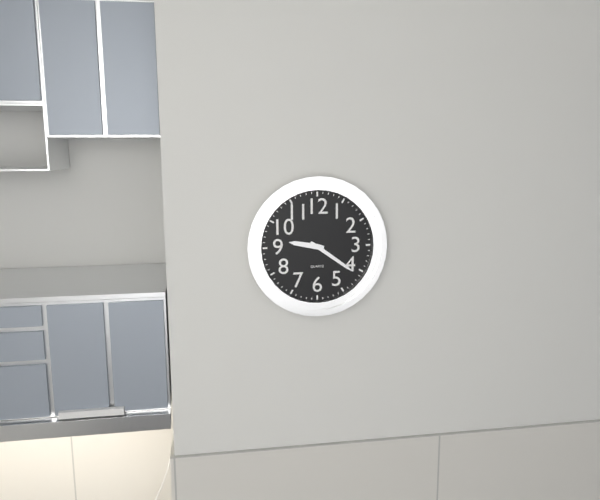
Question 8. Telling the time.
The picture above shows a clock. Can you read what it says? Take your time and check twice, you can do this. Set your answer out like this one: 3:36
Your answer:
9:21
